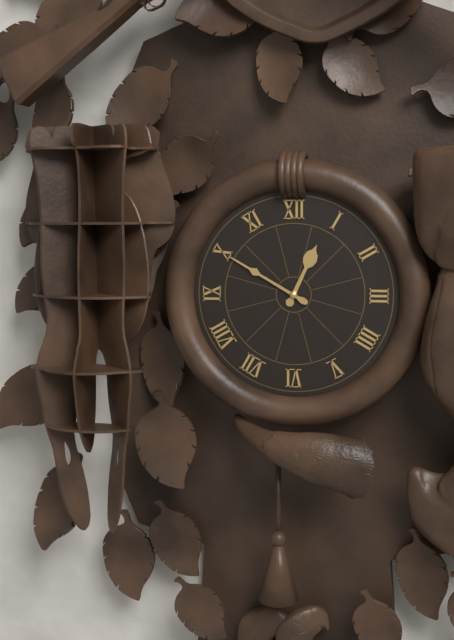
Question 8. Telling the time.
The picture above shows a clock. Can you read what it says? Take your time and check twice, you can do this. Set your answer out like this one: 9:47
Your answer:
12:50
